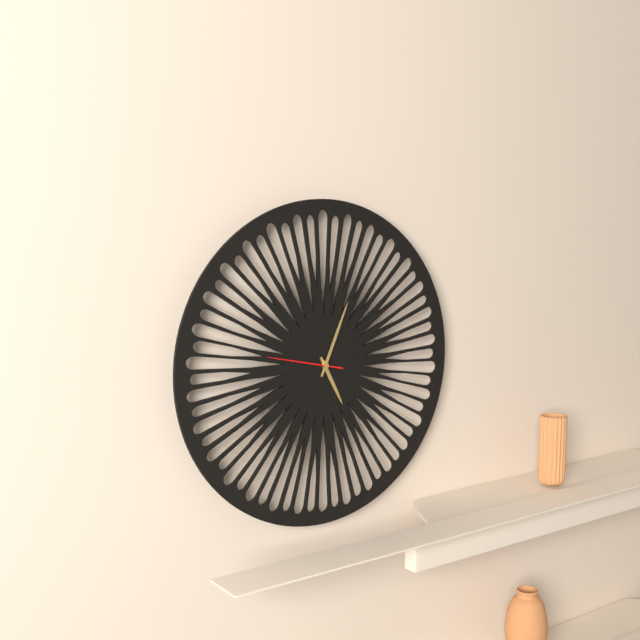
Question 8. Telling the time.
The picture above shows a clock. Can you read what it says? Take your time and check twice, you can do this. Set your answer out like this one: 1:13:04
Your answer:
5:04:47
